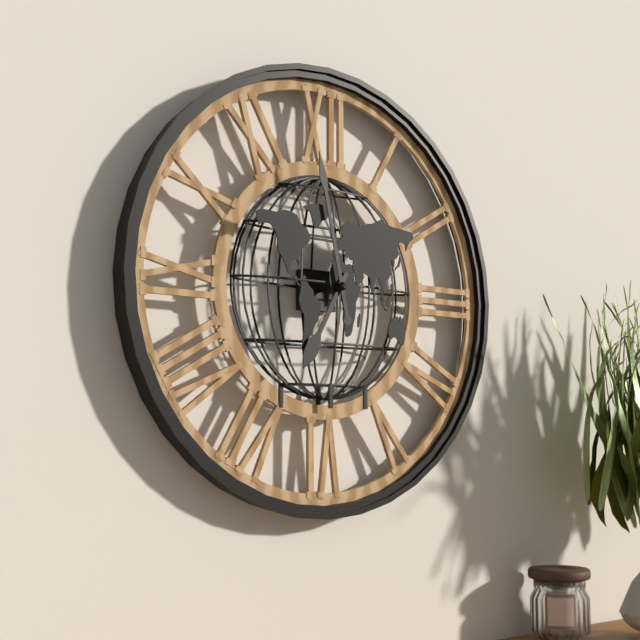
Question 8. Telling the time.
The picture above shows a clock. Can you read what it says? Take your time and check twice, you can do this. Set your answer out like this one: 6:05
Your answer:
6:58
